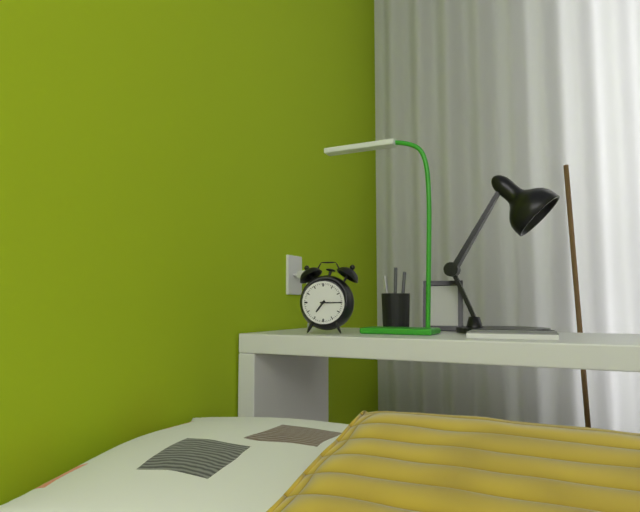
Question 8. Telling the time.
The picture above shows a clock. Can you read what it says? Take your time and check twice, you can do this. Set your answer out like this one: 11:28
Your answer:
7:15
